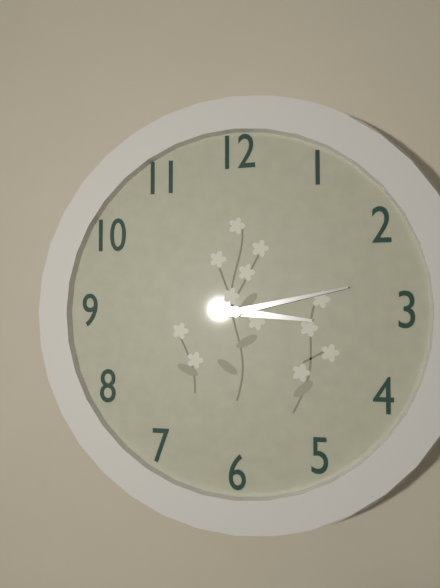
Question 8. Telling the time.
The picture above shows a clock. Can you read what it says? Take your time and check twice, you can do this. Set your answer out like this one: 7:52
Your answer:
3:13
